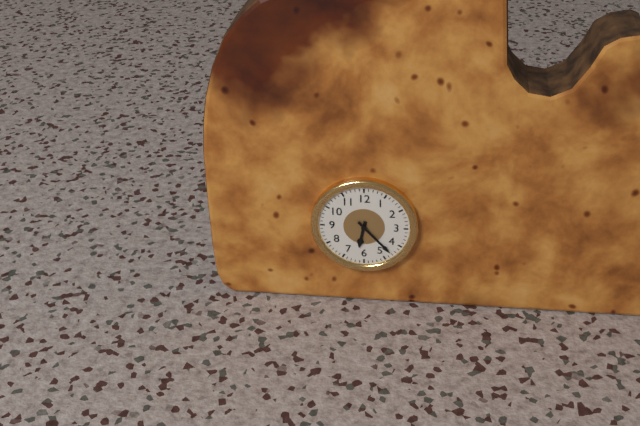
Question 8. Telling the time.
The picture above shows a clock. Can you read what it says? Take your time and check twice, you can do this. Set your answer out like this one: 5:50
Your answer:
6:23
